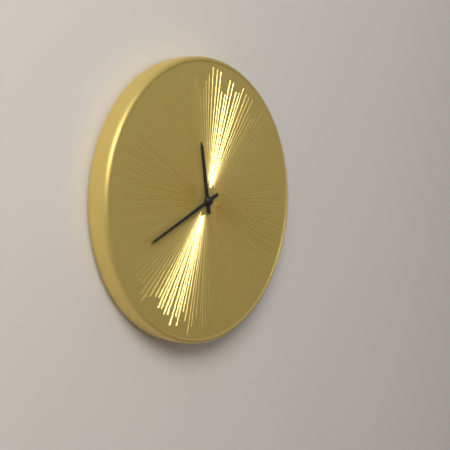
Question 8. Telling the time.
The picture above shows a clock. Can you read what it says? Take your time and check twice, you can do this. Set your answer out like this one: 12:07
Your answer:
11:41
